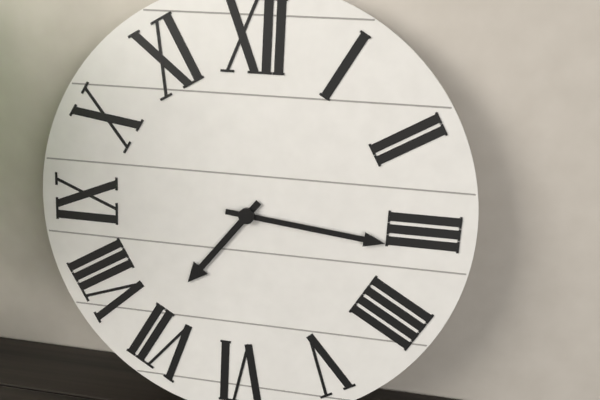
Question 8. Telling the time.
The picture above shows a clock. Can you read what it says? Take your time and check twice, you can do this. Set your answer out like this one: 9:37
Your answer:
7:16
